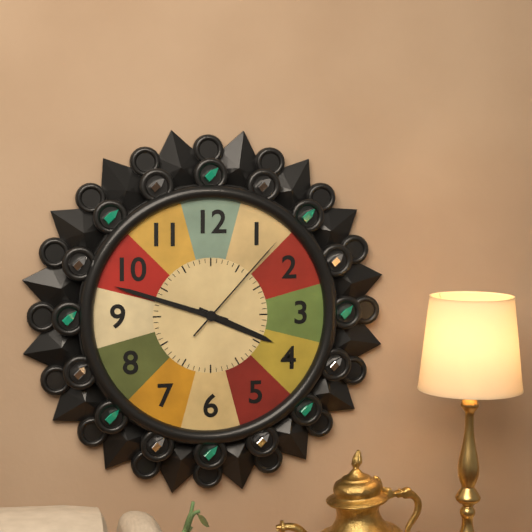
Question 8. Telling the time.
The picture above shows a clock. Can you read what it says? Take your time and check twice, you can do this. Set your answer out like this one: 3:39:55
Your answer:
3:48:07
